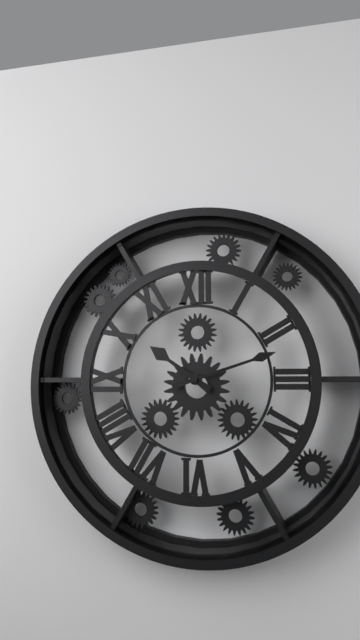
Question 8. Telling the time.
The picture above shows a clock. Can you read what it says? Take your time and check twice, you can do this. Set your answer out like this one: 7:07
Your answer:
10:12
